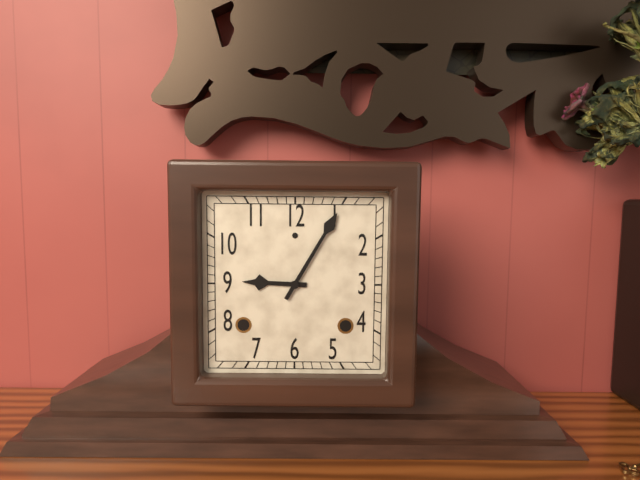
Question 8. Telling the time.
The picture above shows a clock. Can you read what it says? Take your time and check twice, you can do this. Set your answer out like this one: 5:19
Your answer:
9:05
